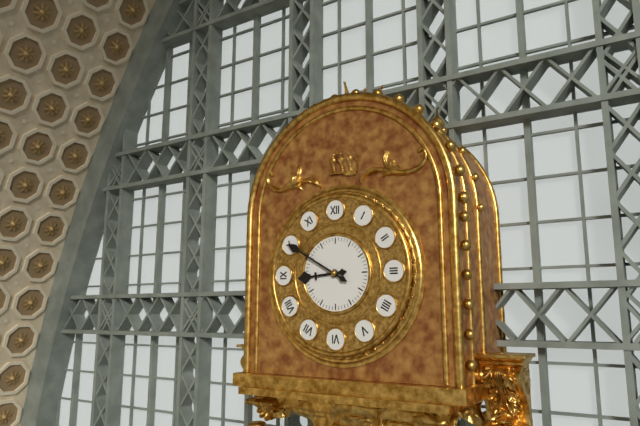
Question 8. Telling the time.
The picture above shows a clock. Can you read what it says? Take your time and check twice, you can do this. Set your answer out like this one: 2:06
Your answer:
8:50
